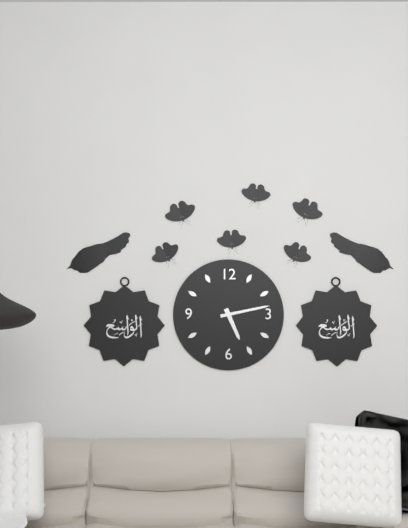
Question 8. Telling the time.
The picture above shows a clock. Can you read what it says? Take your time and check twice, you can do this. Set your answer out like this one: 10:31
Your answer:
5:13
